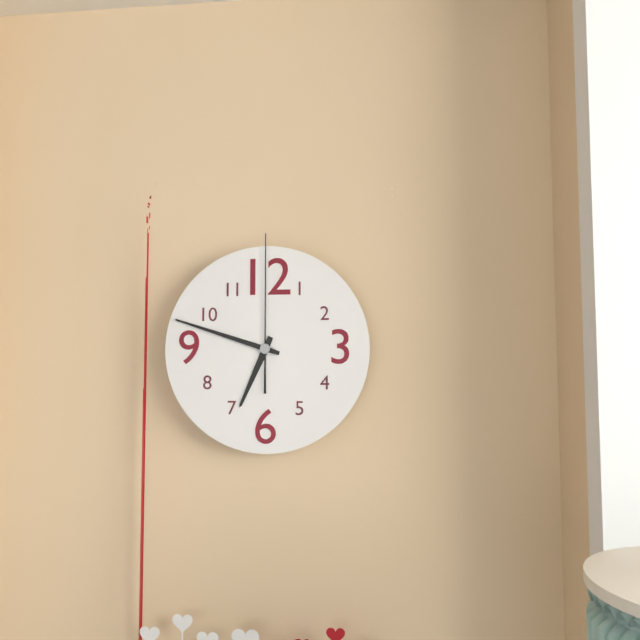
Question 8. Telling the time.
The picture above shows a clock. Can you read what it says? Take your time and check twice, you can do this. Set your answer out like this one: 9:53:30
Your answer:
6:48:00
